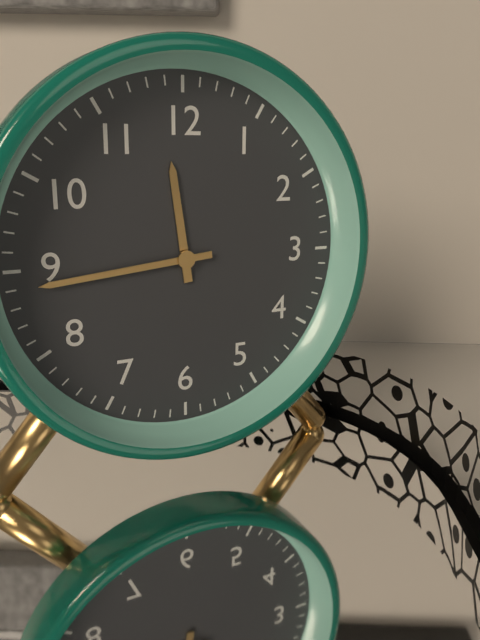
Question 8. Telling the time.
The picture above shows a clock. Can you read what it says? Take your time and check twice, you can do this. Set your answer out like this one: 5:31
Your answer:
11:44
